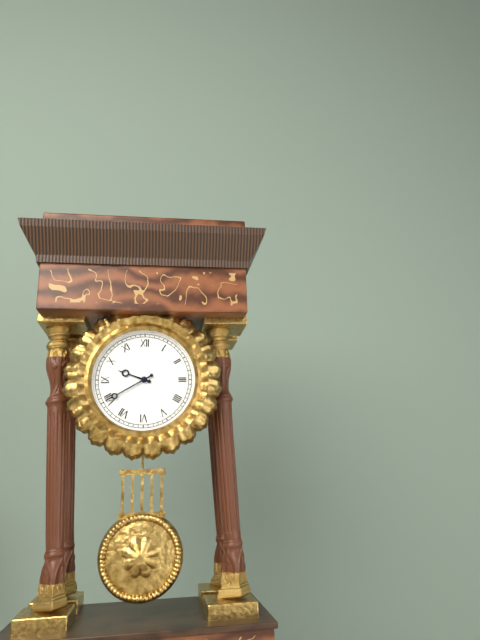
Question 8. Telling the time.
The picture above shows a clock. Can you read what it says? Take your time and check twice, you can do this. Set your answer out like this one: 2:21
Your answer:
9:40
